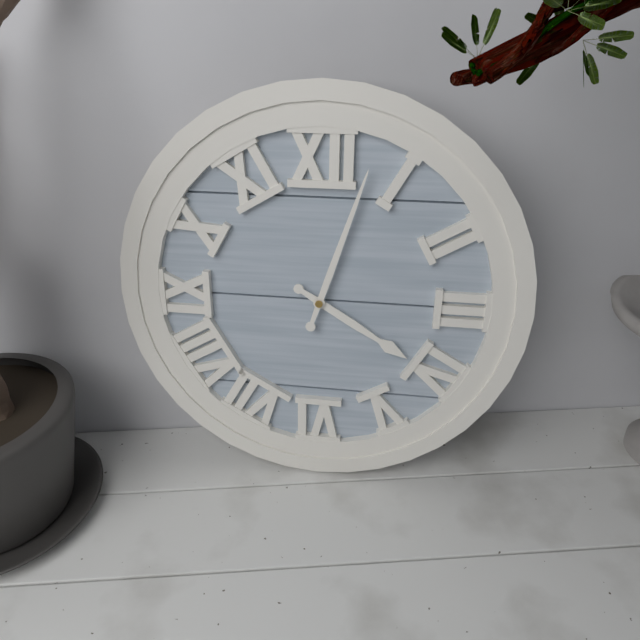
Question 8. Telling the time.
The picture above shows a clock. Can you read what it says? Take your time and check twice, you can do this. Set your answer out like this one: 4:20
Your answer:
4:03
